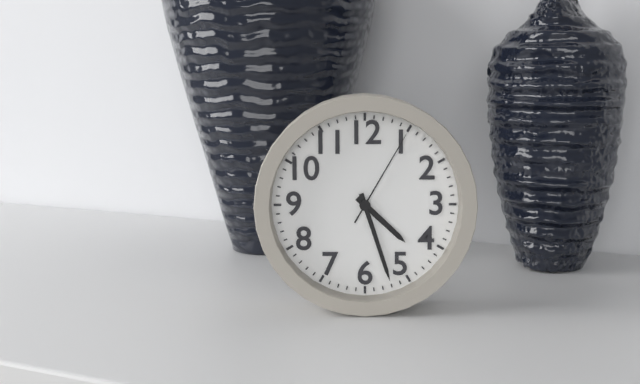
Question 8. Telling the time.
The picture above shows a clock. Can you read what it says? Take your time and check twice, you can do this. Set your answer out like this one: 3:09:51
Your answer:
4:27:05
